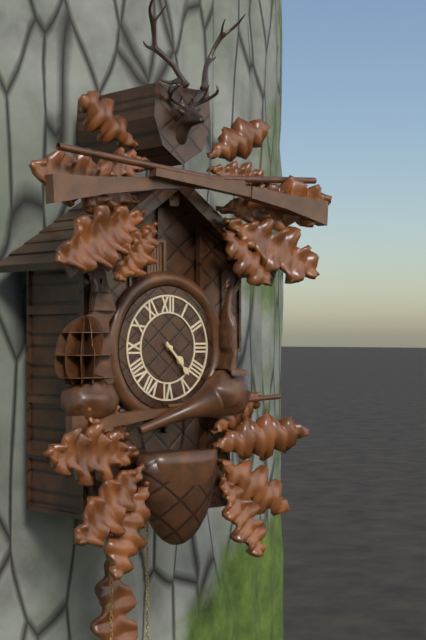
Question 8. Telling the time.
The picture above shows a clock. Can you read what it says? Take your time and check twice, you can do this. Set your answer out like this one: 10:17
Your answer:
4:23
